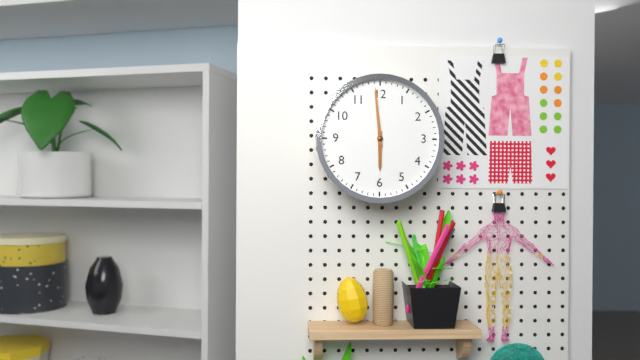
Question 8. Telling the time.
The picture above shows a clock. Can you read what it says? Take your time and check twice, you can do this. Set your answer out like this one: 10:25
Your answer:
5:59
